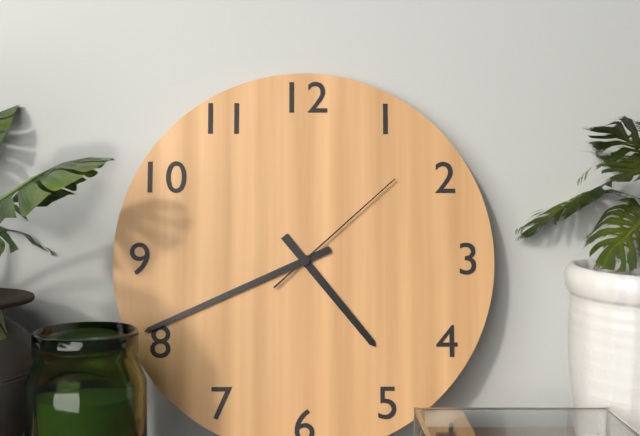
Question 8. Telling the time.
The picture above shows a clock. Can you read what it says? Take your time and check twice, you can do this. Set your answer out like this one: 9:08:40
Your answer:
4:41:08
